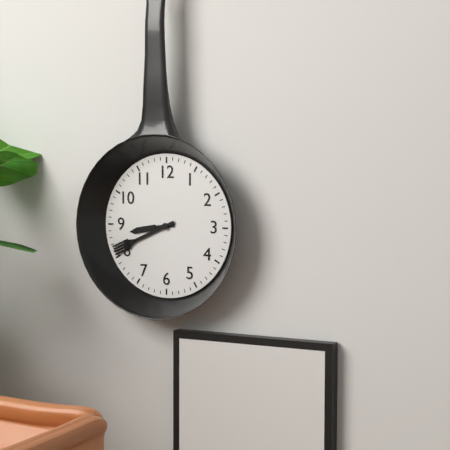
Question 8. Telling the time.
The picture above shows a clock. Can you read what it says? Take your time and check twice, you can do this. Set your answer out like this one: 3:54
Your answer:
8:41
